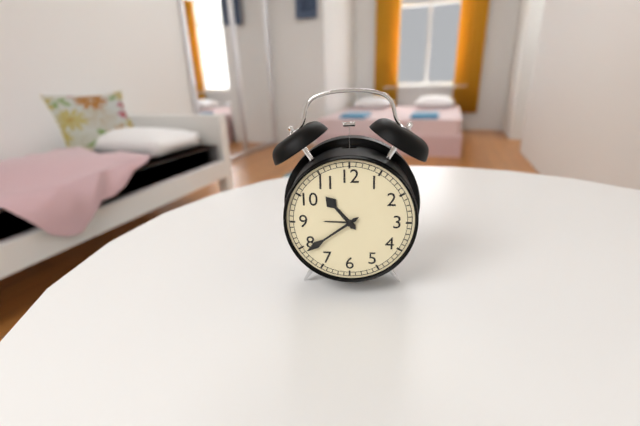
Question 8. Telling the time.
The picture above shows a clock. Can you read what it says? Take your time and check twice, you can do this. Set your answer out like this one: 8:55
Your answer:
10:39
